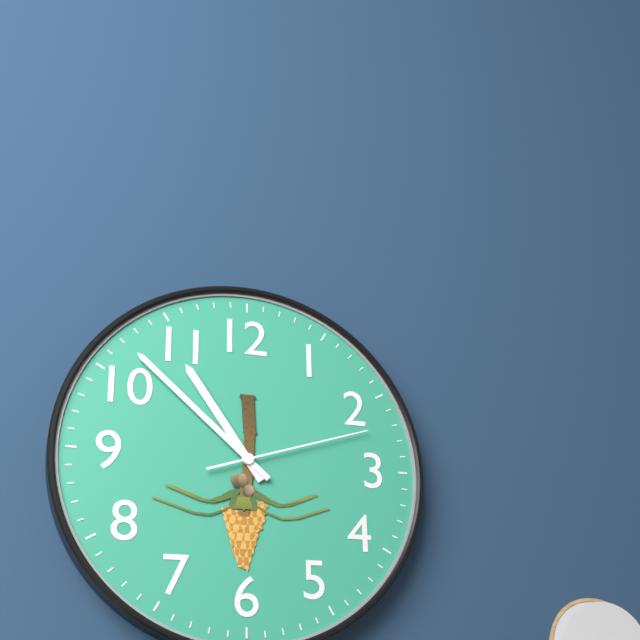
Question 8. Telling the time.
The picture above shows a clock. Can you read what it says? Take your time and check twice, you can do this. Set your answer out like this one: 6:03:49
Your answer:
10:52:12
